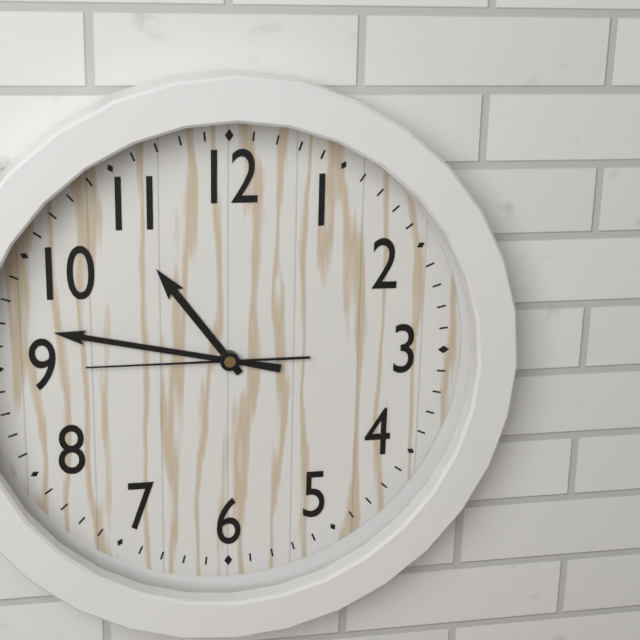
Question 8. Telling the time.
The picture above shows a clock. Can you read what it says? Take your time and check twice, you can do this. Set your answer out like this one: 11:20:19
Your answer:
10:47:45
